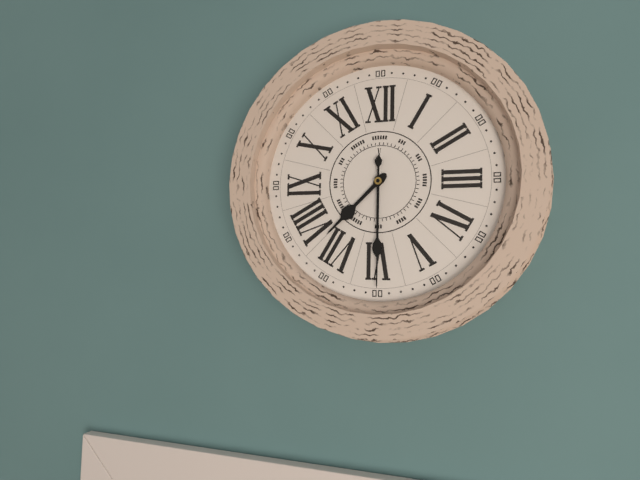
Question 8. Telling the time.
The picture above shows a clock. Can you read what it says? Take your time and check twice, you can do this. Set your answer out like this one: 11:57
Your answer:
7:30
